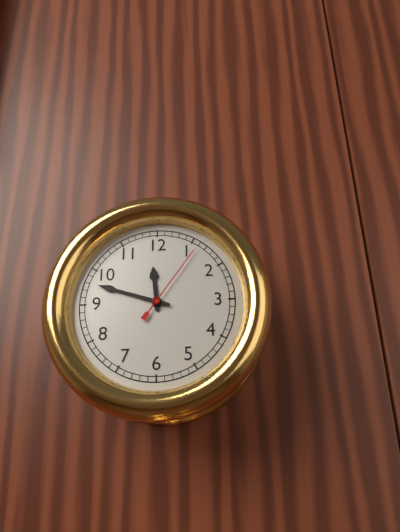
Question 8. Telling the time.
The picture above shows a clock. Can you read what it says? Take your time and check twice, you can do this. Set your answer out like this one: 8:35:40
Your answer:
11:48:06
